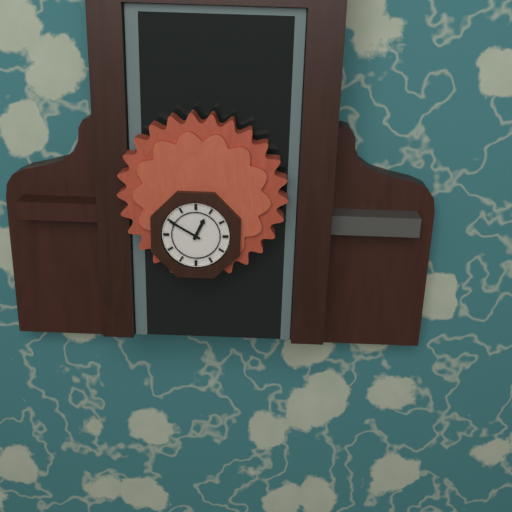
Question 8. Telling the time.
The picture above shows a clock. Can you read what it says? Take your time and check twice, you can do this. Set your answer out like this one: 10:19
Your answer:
12:50
